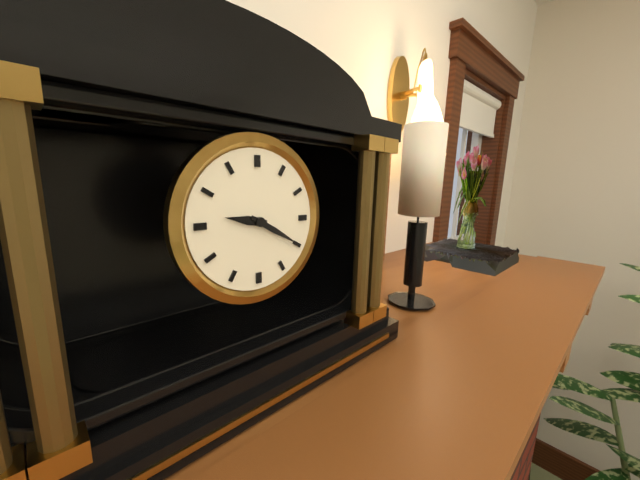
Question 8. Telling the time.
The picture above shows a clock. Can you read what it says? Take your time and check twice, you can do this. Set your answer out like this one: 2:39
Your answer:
9:20
